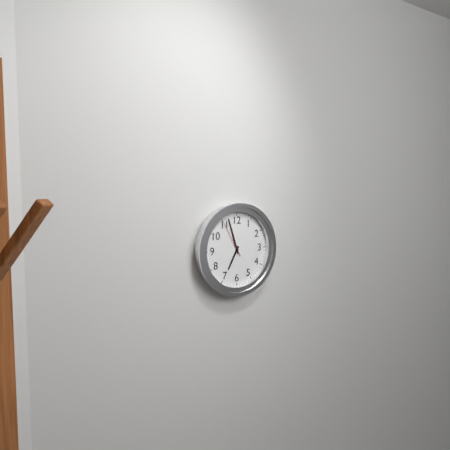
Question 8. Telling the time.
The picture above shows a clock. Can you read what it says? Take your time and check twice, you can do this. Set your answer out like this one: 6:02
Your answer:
6:57
